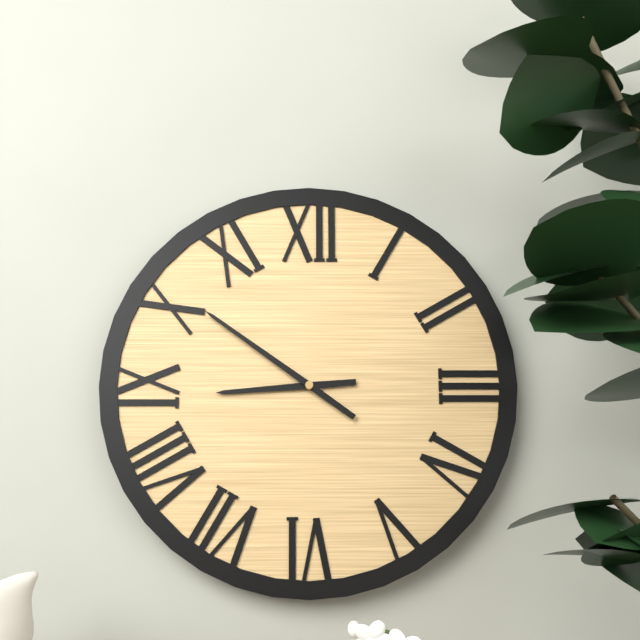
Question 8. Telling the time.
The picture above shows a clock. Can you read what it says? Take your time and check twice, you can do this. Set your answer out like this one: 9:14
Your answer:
8:51
